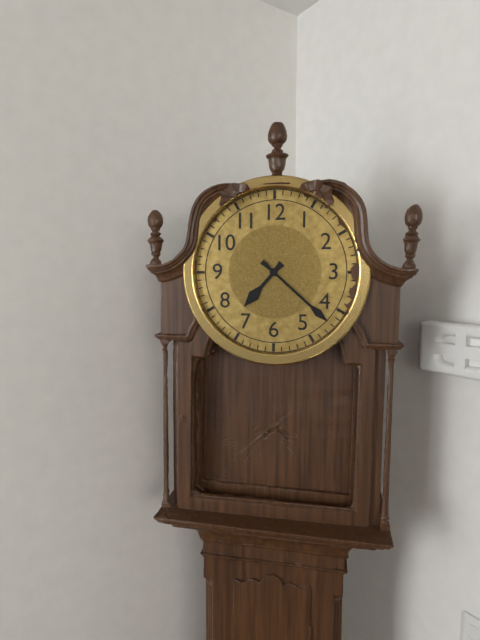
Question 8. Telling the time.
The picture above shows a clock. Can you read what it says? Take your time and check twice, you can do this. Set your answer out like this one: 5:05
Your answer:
7:22
